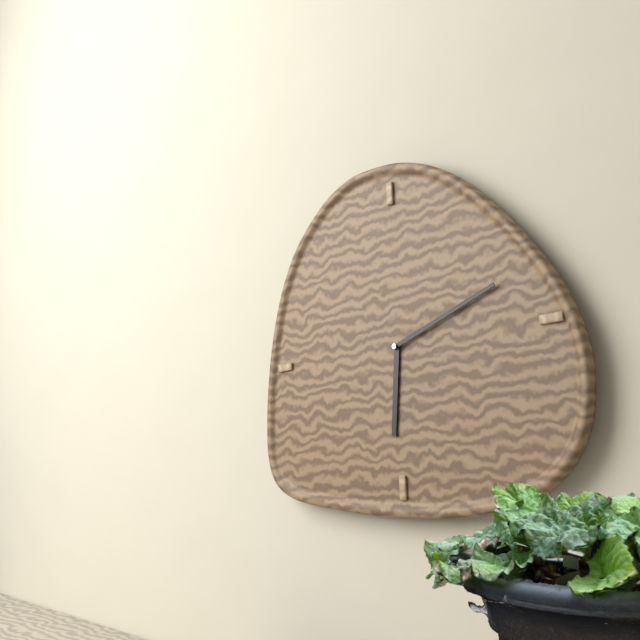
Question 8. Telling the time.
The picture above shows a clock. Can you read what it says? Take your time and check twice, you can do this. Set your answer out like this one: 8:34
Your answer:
6:12
